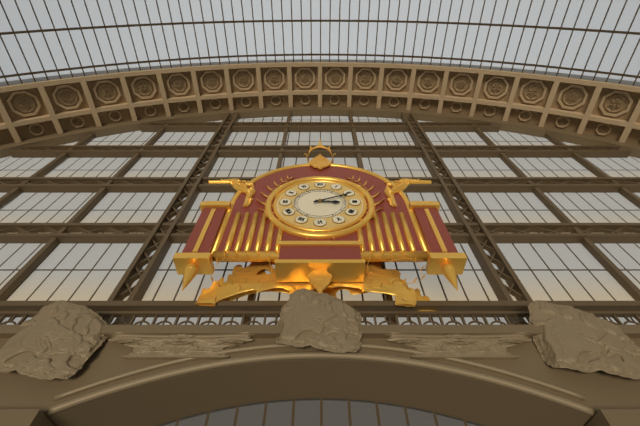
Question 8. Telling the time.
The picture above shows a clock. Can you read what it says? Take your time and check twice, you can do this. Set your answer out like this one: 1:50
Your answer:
3:11
